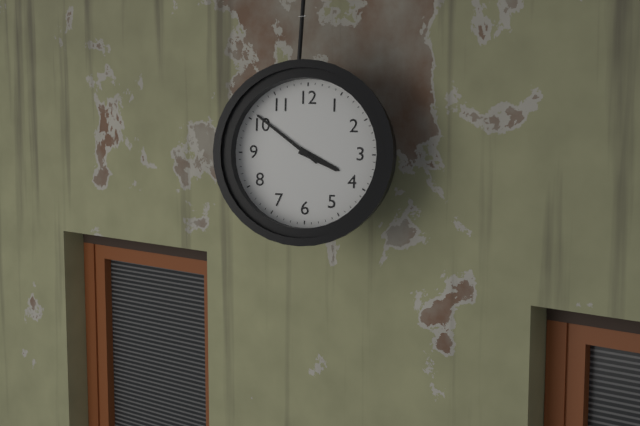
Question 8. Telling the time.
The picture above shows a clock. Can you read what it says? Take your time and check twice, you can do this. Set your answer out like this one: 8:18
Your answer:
3:51
